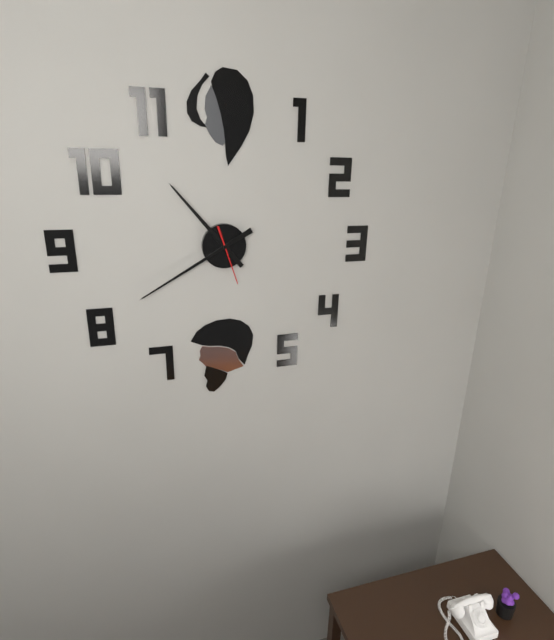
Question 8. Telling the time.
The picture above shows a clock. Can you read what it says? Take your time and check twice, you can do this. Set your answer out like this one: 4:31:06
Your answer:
10:40:27
